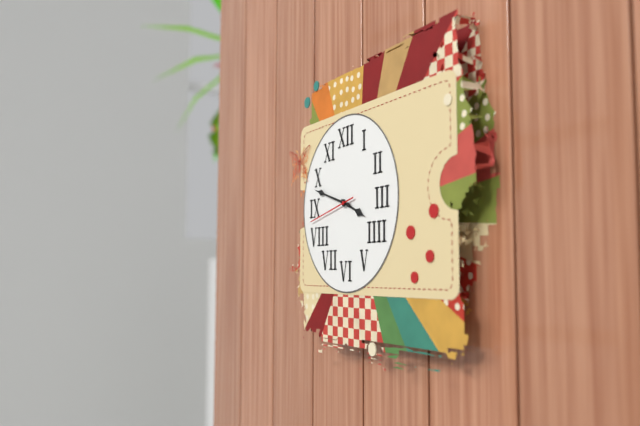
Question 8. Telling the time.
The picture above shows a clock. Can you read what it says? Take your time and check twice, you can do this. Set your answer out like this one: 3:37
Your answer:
3:48
